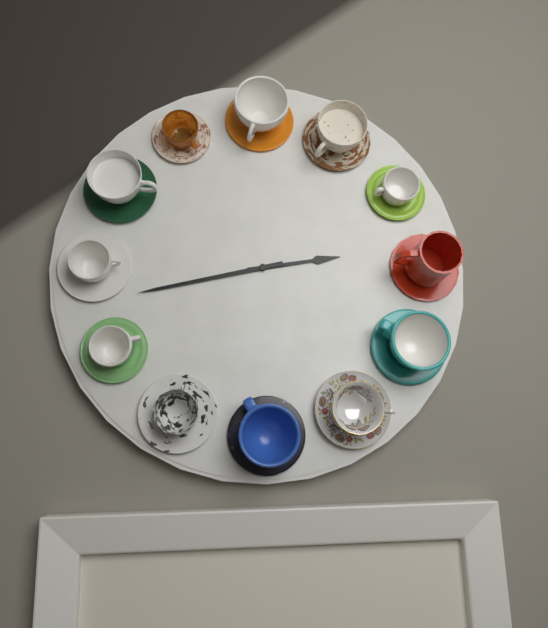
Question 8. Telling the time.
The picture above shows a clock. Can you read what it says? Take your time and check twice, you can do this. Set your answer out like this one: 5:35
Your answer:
2:43
